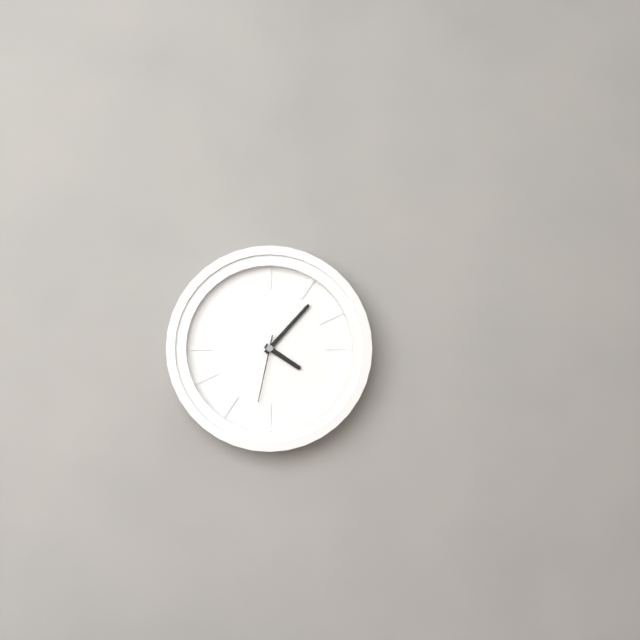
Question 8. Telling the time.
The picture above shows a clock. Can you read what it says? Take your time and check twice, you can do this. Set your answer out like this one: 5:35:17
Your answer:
4:07:32
